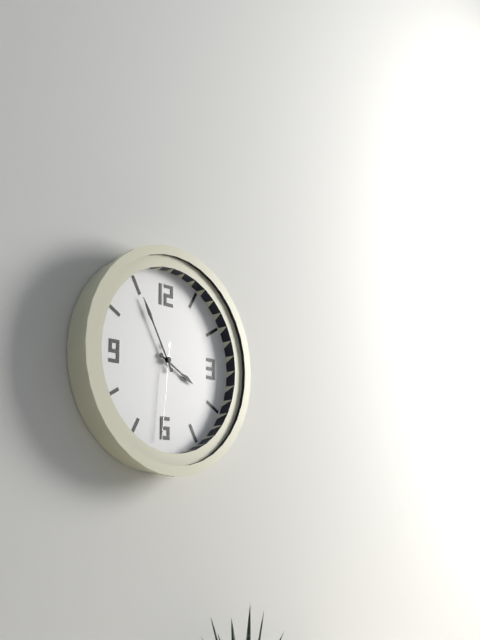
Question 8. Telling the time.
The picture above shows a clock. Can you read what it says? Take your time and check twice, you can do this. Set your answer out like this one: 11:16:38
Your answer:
3:55:31
